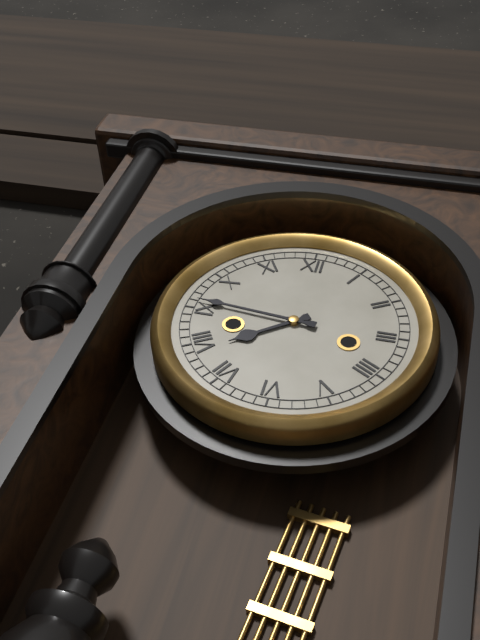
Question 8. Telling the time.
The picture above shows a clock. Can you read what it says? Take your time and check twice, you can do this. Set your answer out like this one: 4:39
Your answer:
7:46
